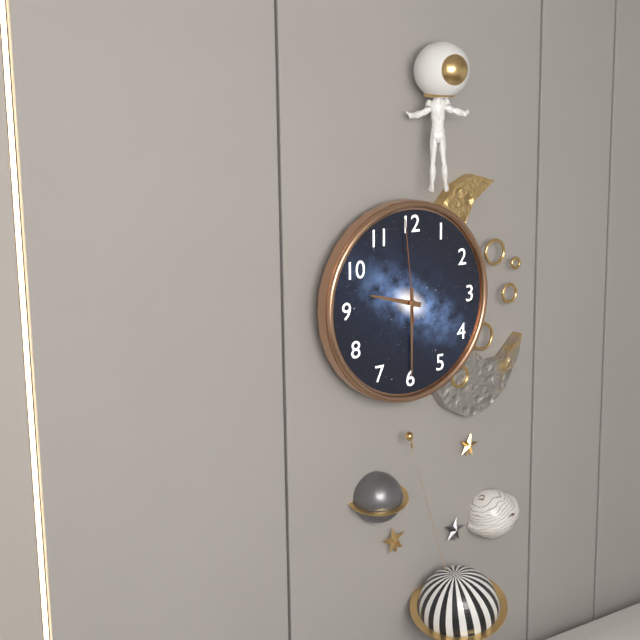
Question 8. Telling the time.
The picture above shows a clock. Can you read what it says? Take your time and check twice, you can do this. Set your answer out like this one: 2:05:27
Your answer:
9:30:59
